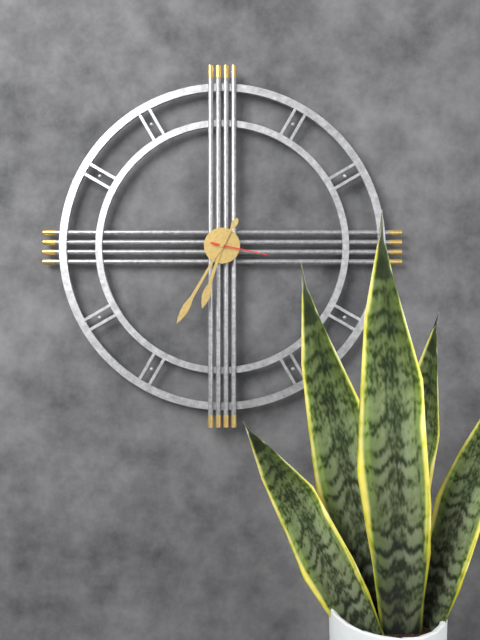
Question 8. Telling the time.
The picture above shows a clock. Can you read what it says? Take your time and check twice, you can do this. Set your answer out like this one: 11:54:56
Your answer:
6:35:17
